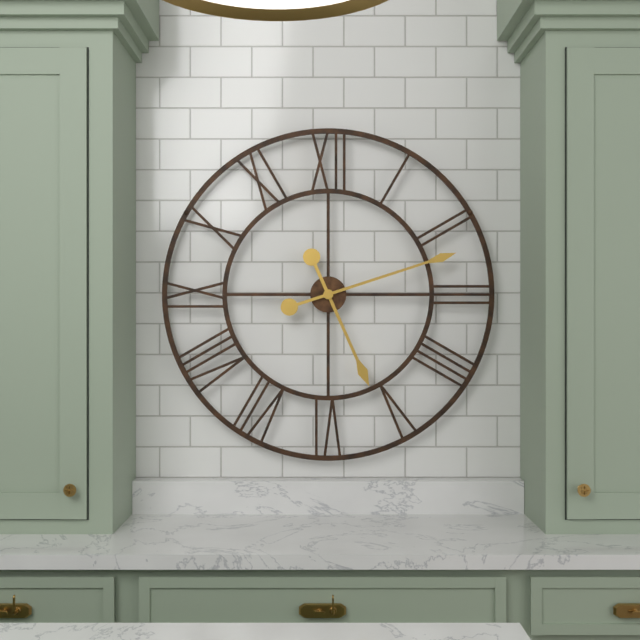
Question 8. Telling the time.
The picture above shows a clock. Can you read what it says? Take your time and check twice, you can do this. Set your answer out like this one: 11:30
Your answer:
5:12
